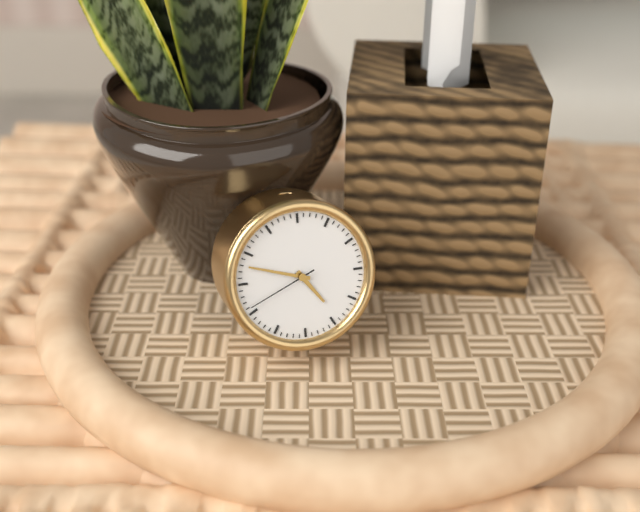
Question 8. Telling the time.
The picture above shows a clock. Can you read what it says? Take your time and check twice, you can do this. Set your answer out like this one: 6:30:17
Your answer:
4:48:41
